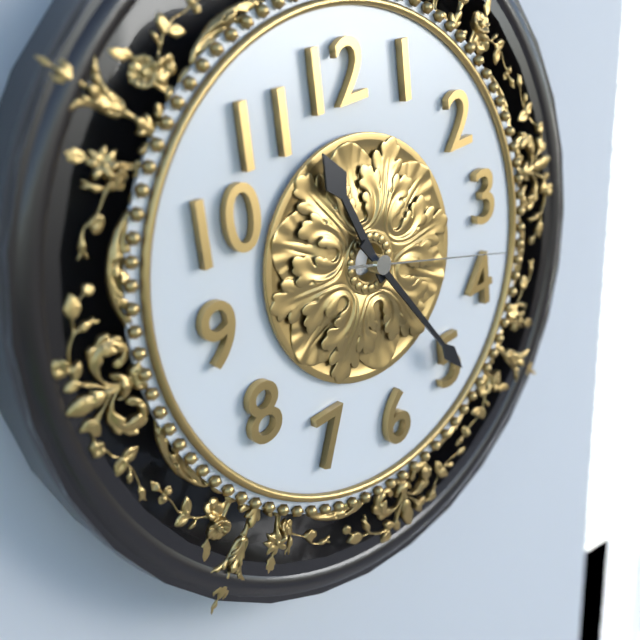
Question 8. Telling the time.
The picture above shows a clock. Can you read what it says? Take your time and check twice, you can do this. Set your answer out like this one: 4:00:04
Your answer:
11:25:18
